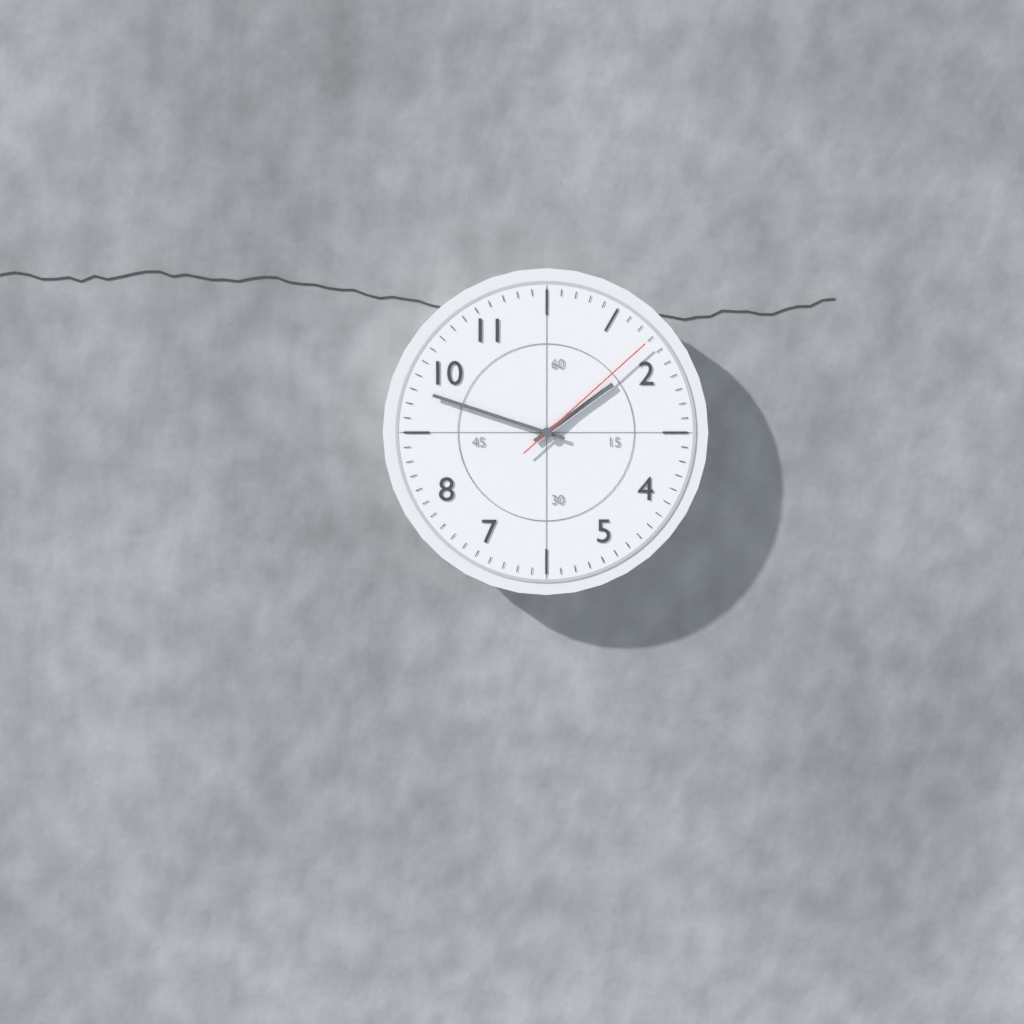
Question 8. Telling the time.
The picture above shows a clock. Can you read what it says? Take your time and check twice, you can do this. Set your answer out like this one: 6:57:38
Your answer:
1:48:08
